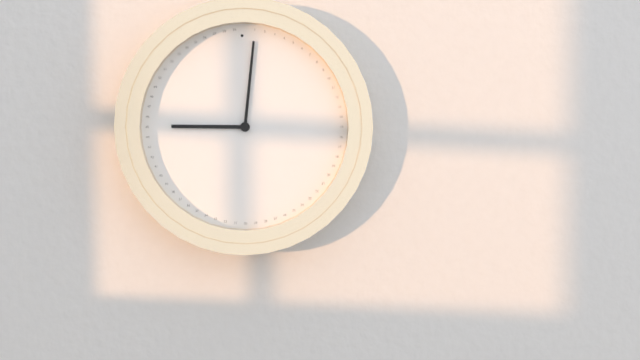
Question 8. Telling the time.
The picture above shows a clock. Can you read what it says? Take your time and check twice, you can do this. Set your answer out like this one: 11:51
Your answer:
9:01
